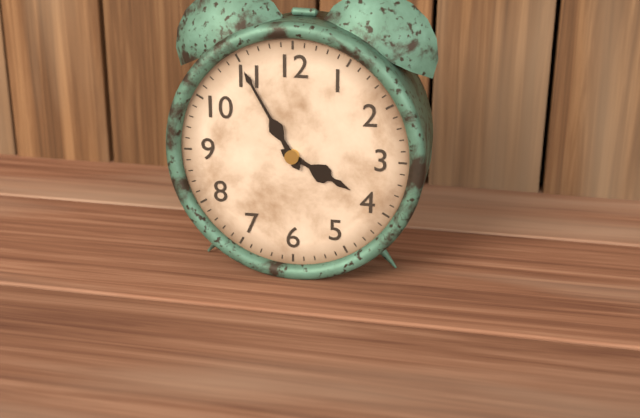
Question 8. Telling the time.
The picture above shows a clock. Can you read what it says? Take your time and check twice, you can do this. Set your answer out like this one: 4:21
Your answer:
3:55
